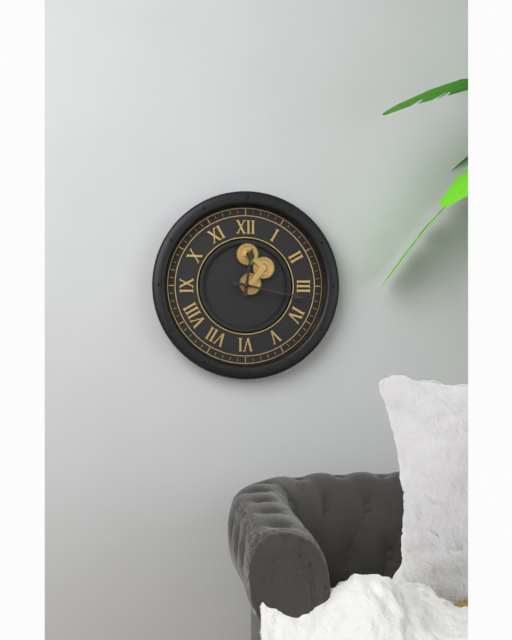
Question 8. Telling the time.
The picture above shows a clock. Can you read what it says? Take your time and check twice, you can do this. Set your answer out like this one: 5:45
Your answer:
12:17
